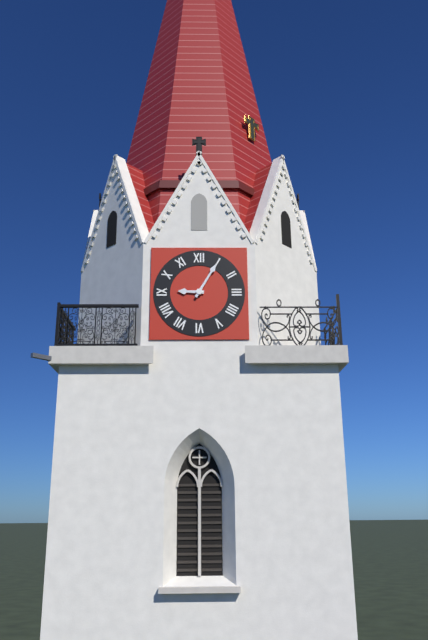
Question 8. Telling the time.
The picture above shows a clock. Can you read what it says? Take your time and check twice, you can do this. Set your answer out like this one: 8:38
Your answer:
9:05
